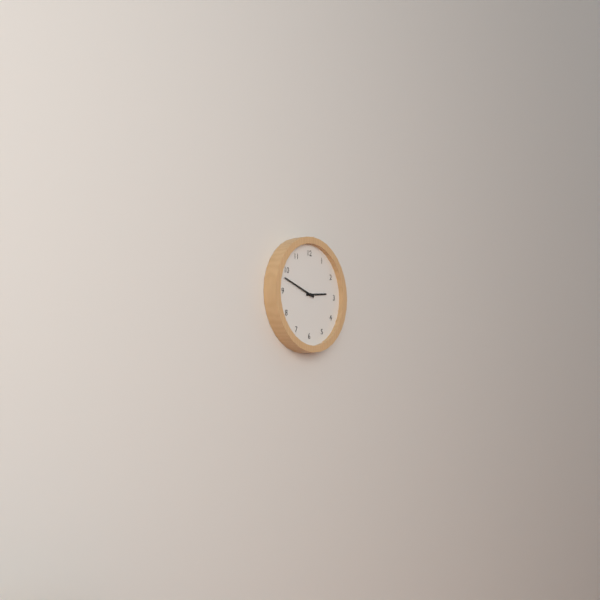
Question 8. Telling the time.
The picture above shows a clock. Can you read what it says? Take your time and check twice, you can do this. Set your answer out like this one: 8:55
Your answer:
2:48
